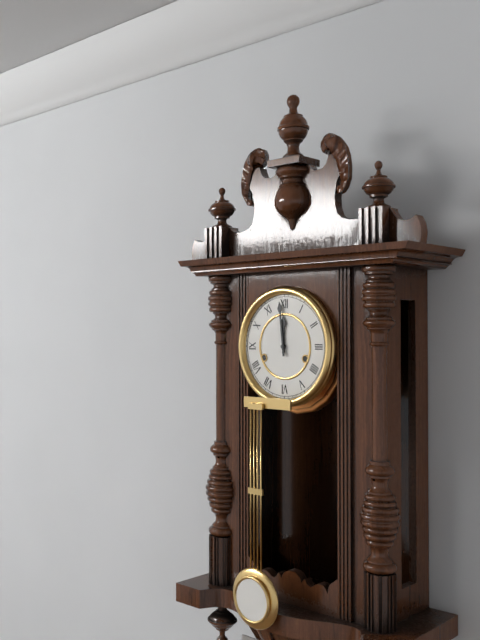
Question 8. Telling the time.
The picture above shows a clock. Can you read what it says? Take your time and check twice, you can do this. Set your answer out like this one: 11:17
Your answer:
11:59
